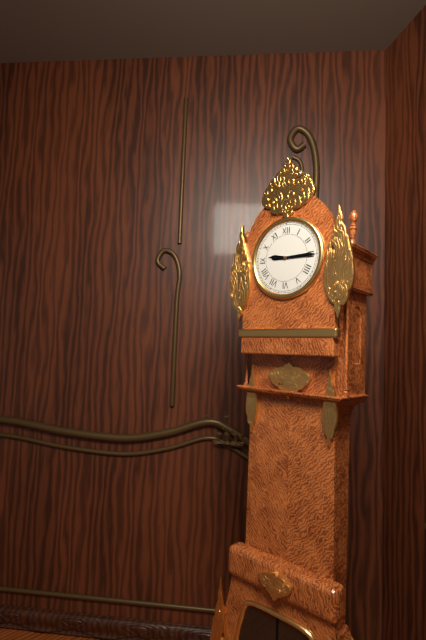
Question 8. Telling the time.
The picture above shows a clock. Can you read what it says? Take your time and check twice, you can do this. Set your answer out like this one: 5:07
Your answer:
9:15
